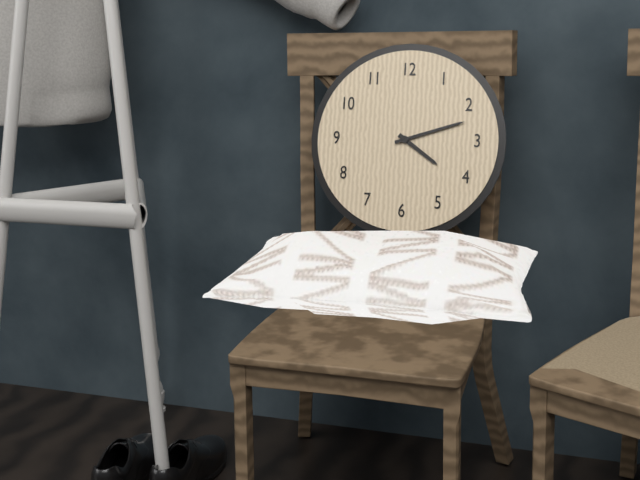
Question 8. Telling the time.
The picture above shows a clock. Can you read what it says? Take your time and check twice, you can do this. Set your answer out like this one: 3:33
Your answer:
4:12
